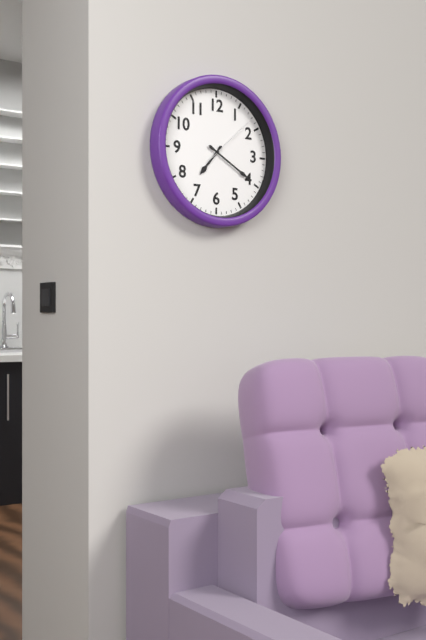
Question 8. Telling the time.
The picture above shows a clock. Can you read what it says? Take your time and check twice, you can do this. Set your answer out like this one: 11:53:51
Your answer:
7:20:08
